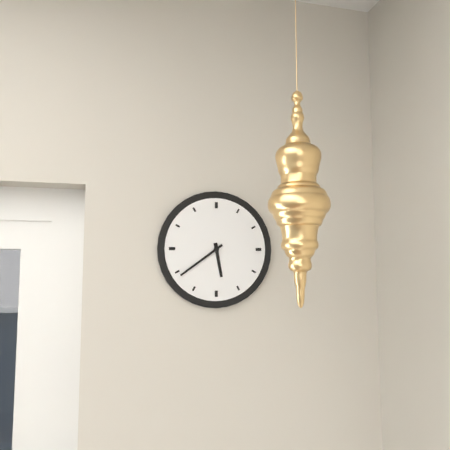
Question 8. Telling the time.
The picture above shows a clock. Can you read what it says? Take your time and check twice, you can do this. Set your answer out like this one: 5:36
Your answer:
5:39
